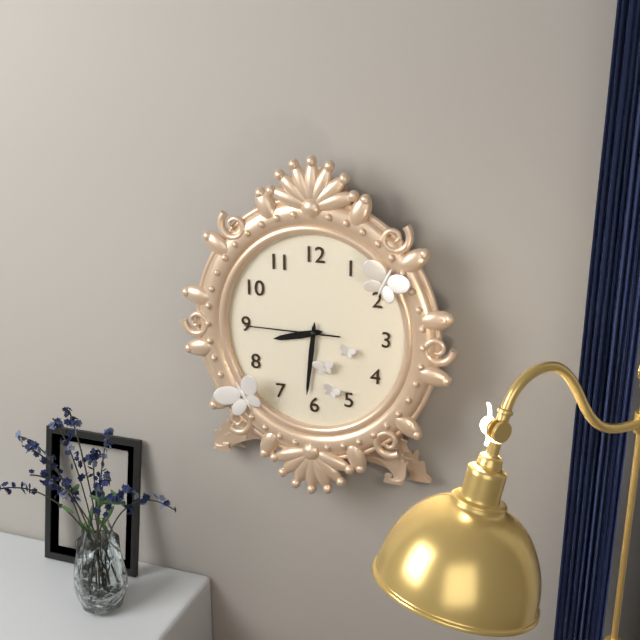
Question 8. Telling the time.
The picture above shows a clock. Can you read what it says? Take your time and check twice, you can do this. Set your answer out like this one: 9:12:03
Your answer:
8:31:45
